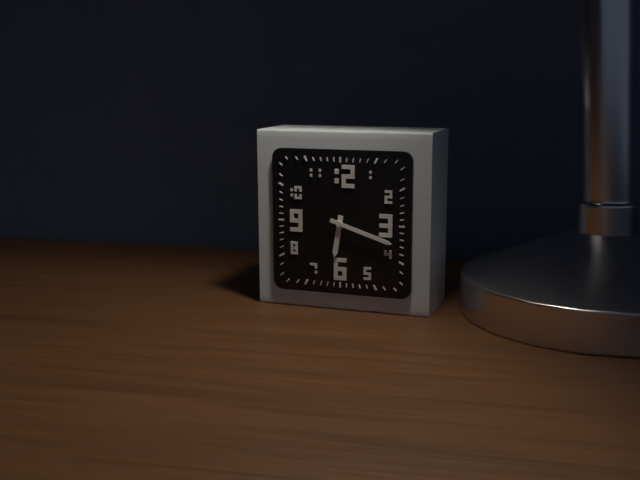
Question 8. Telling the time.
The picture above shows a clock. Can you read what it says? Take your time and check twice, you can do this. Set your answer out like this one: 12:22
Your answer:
6:18
